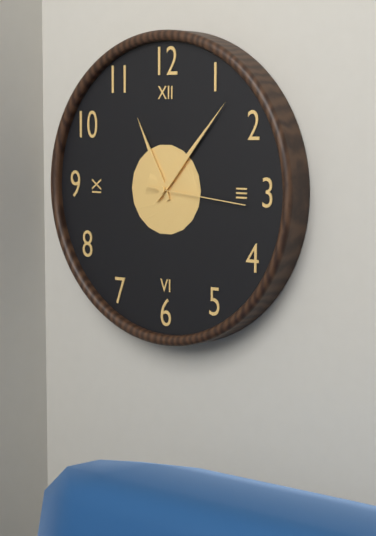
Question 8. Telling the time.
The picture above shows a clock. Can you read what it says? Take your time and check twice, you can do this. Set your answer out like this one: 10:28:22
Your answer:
11:07:16
